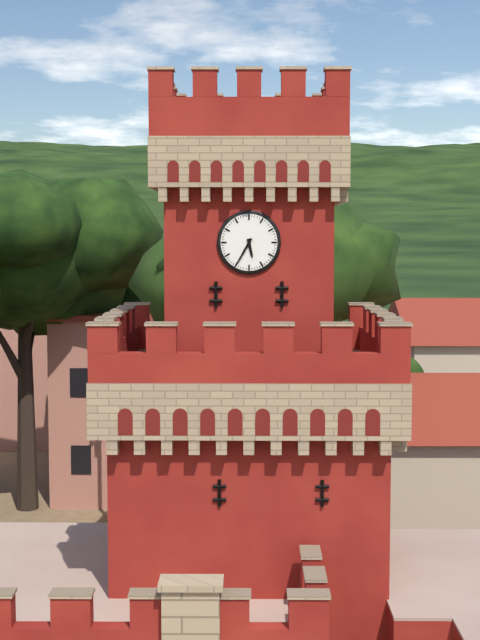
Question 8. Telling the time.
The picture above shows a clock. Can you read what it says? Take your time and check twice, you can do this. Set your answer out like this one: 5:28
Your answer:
5:35
